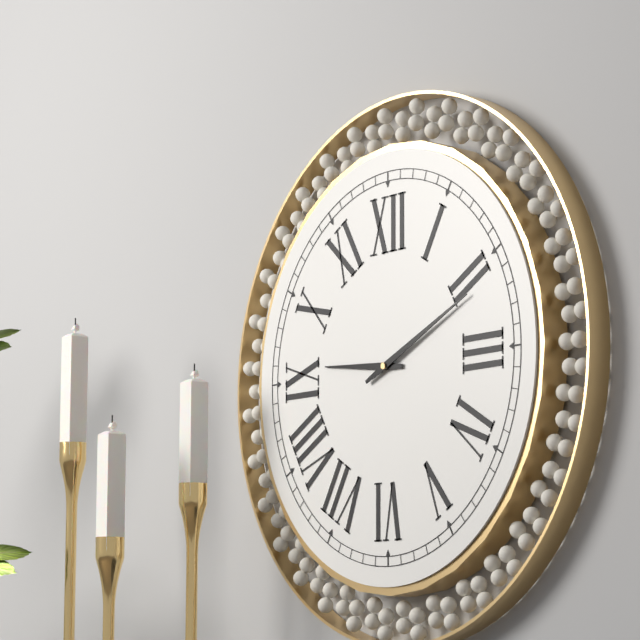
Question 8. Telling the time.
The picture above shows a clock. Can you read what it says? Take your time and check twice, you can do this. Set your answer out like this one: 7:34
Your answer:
9:11
